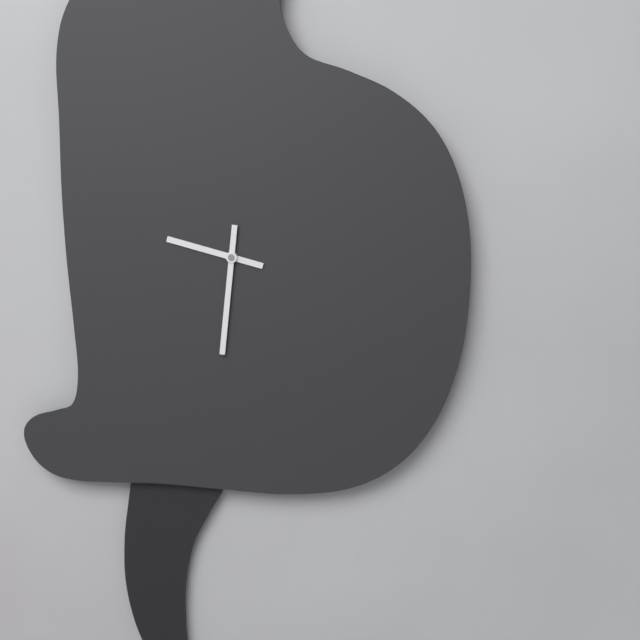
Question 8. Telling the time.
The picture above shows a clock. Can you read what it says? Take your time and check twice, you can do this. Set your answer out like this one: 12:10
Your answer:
9:31
